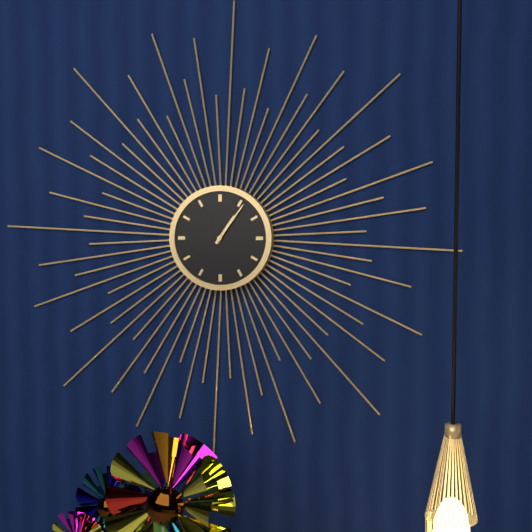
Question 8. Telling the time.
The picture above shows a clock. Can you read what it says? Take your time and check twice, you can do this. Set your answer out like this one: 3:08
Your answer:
1:06
